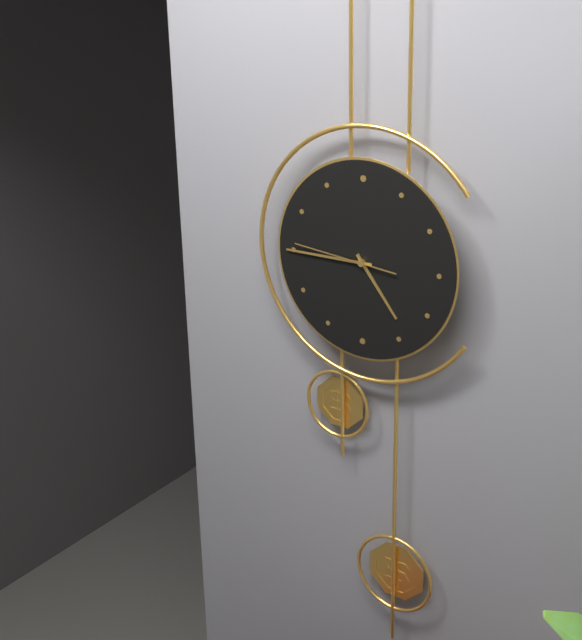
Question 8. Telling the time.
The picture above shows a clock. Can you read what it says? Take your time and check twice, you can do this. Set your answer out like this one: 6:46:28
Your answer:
4:45:46
